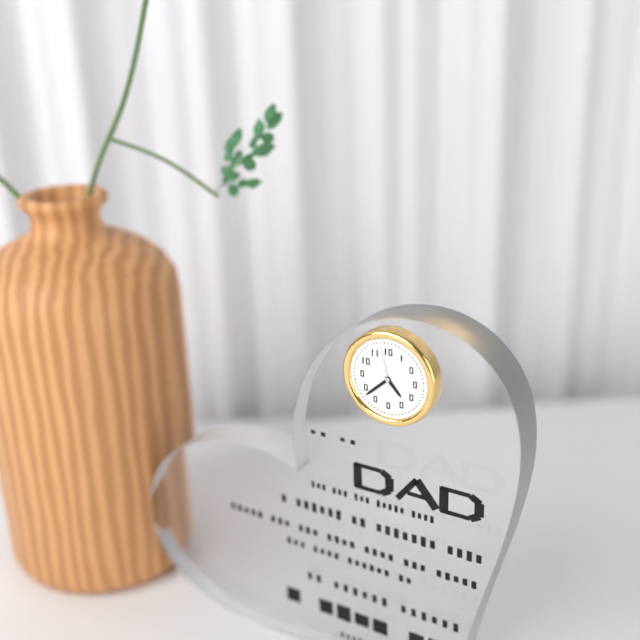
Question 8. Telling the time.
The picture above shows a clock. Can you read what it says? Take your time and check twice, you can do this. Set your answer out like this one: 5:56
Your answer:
4:38
